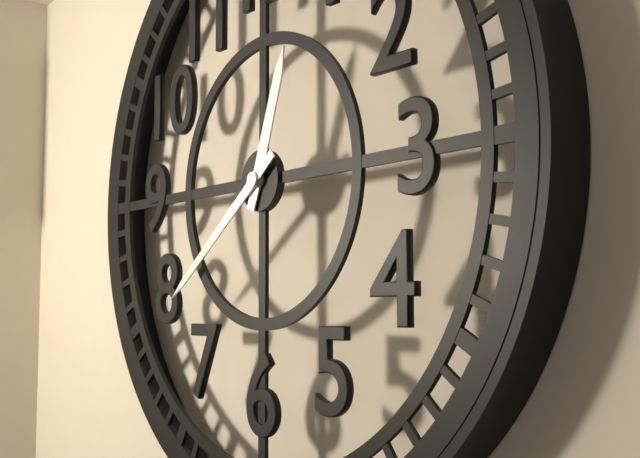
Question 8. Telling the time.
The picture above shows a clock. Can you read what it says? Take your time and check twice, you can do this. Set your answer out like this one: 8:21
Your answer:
12:39
